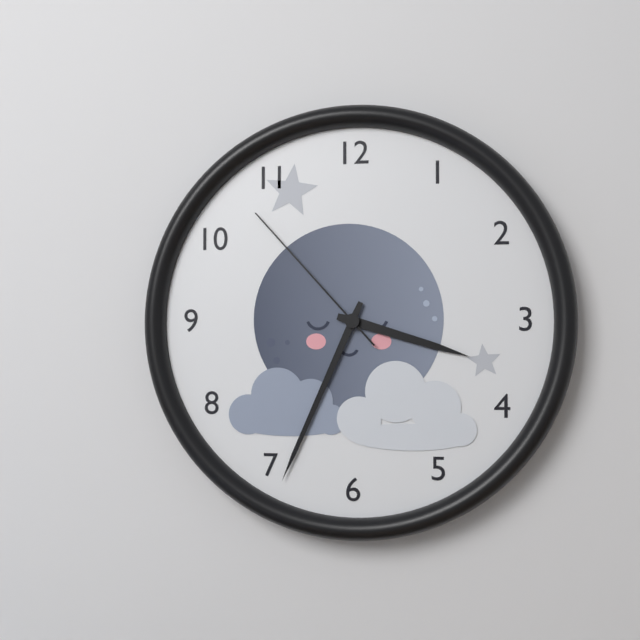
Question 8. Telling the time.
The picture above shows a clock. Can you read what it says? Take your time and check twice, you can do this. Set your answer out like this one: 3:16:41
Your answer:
3:34:53
